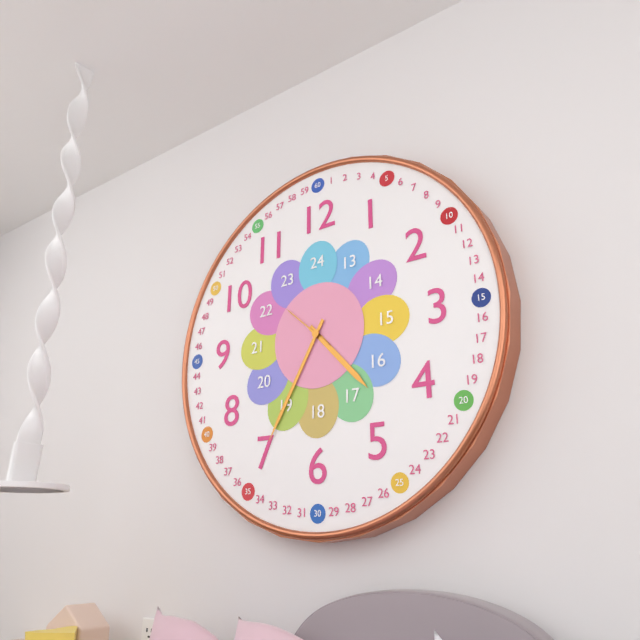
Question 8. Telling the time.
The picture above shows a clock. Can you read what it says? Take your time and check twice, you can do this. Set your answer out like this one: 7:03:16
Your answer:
4:35:52
